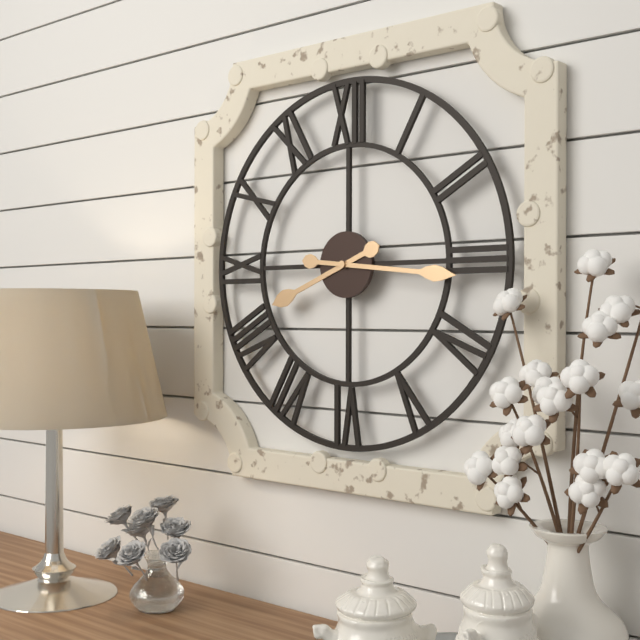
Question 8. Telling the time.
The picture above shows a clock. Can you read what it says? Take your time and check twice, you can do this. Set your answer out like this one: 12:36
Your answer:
8:16
